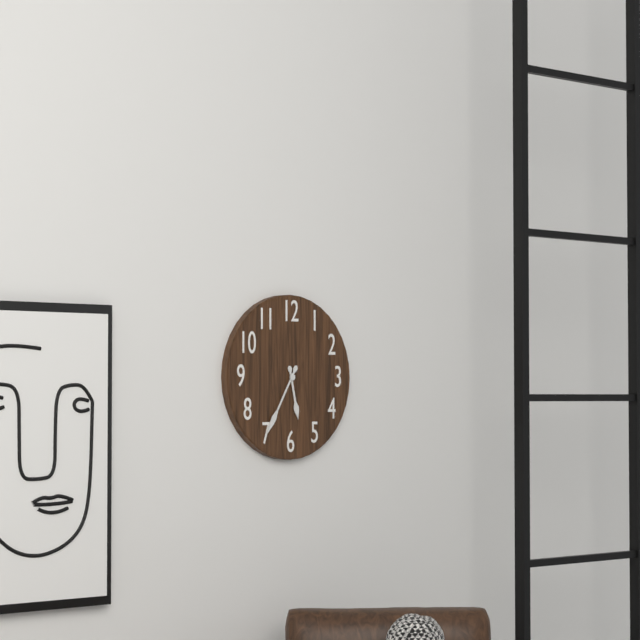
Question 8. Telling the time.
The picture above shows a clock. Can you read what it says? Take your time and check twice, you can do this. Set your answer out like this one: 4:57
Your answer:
5:35
